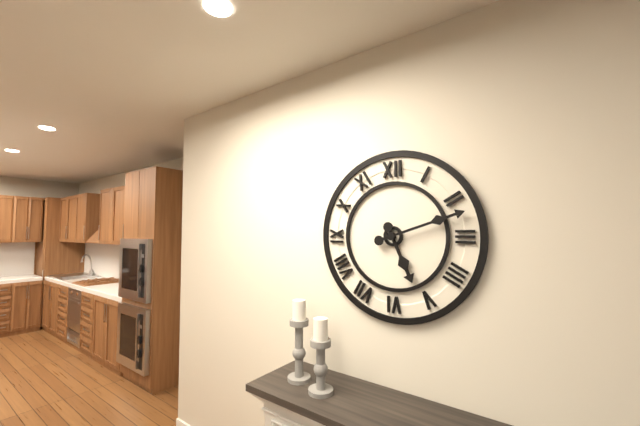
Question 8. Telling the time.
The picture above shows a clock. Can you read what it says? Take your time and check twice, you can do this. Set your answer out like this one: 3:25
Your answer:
5:12
